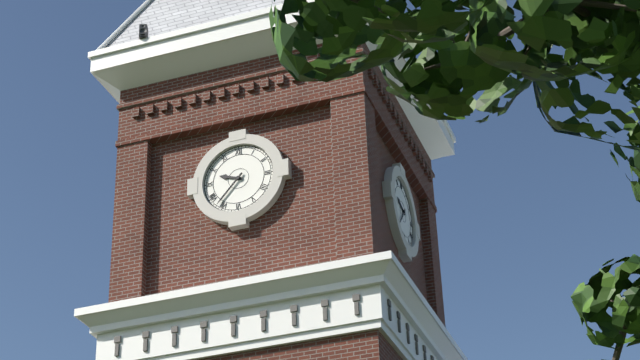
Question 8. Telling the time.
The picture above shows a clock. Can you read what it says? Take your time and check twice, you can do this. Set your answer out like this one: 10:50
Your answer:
9:37
